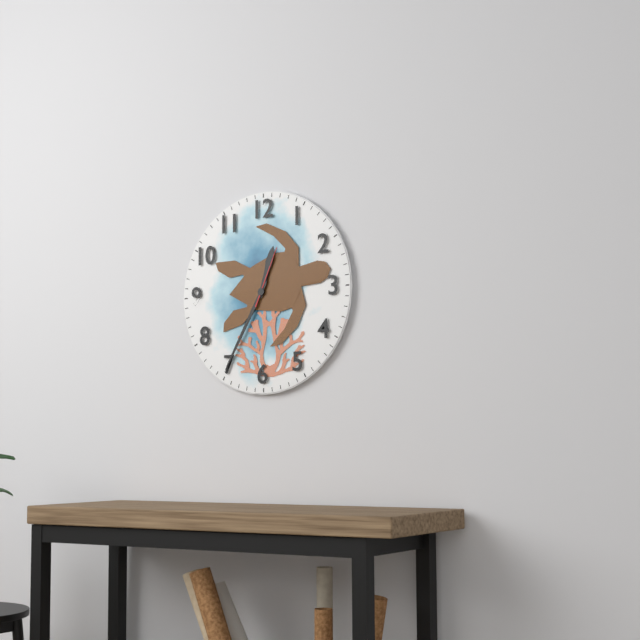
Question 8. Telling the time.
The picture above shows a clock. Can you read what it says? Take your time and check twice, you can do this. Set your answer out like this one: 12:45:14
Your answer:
12:35:04
